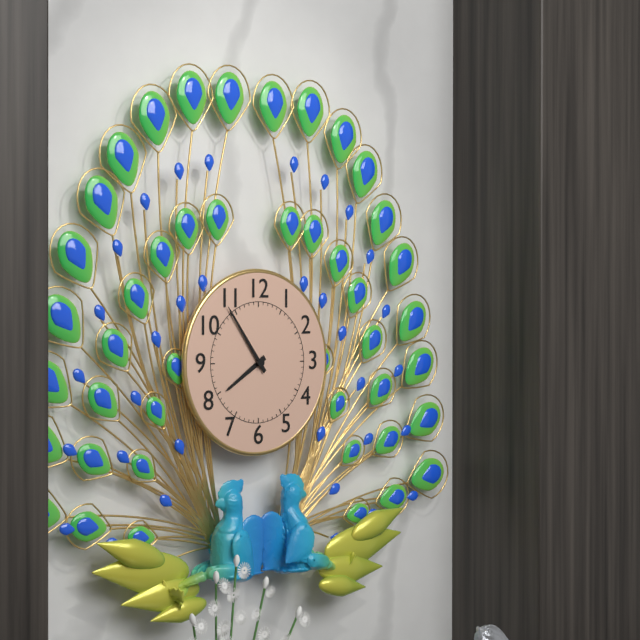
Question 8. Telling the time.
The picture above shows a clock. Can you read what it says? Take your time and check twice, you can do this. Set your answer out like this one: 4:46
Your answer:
7:54
